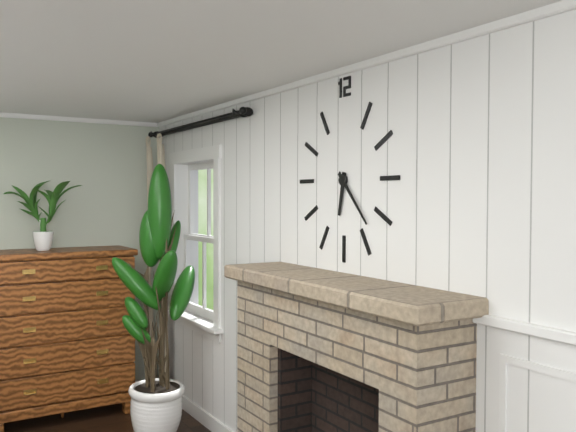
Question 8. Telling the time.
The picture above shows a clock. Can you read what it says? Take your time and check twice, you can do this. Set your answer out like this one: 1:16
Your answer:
6:23
